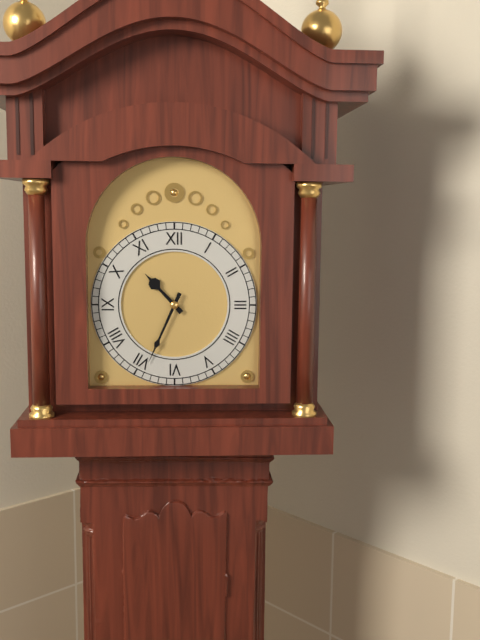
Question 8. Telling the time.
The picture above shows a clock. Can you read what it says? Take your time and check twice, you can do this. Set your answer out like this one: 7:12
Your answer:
10:34
